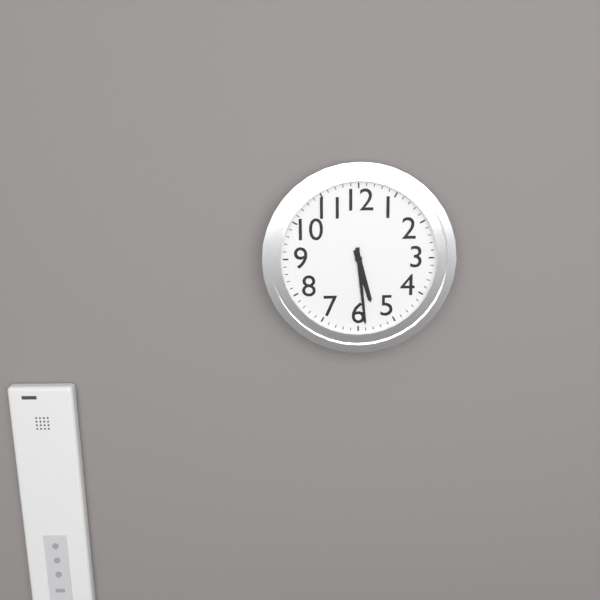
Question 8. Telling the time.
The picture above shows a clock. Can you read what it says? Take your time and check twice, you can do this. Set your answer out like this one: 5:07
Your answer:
5:29
